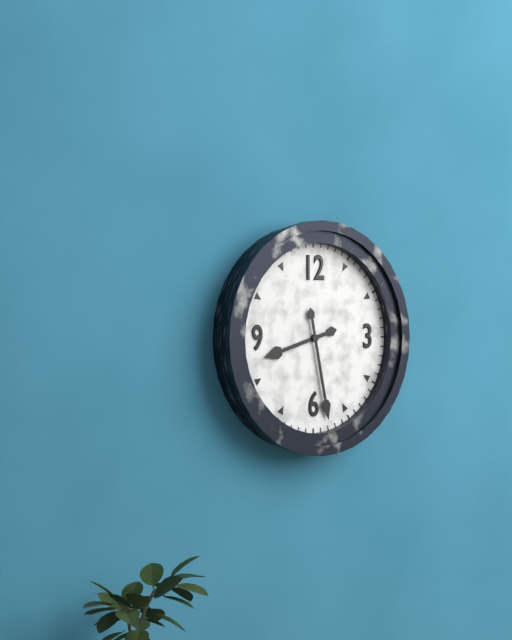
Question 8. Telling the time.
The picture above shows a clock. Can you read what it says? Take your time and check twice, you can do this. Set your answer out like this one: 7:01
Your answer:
8:28
